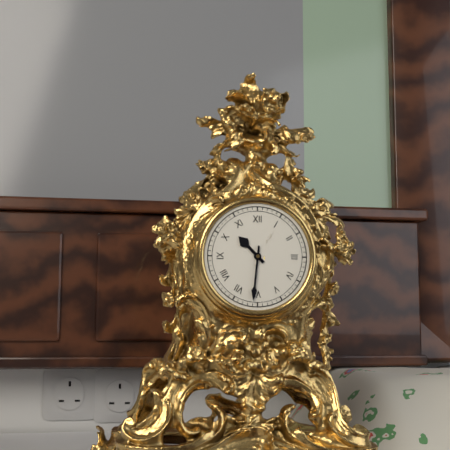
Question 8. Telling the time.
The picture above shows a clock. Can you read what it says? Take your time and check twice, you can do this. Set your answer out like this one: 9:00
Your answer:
10:31
